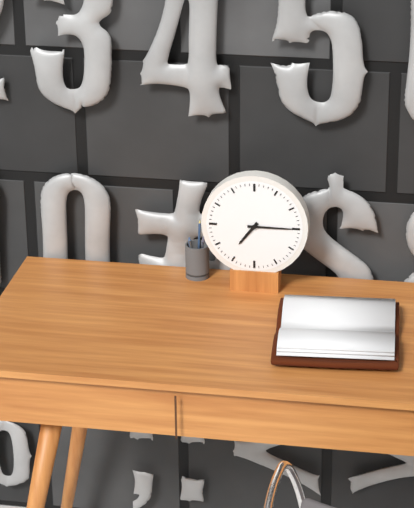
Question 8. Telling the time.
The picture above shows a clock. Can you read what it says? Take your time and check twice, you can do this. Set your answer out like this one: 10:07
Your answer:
7:15
